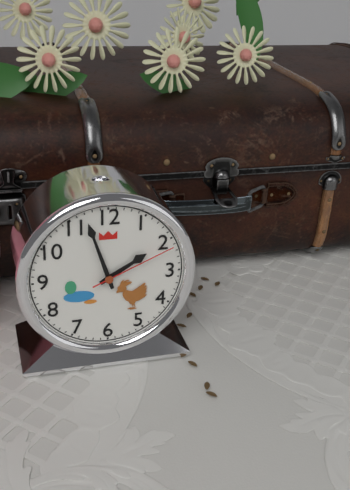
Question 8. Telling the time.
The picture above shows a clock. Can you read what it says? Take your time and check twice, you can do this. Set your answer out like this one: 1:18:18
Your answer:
1:57:11
